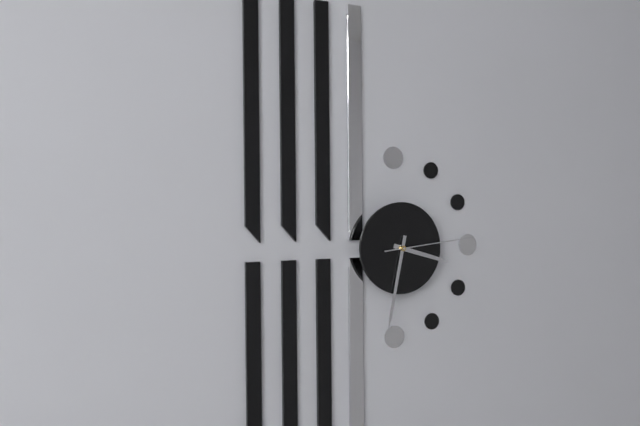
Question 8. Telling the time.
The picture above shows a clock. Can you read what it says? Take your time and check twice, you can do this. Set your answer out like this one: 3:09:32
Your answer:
3:32:14
